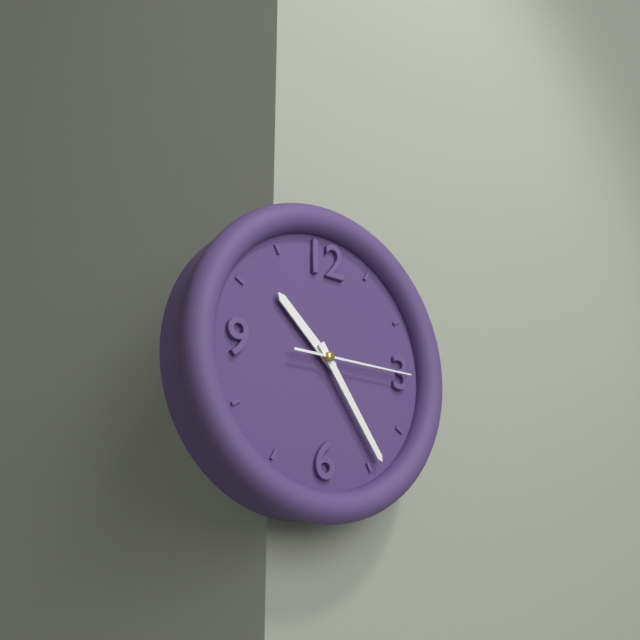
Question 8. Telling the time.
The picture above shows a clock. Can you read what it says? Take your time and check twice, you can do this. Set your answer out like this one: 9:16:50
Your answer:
10:24:15
